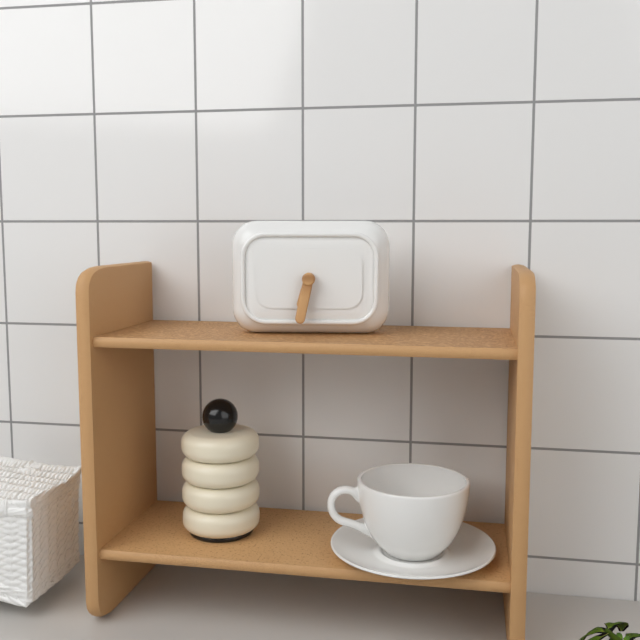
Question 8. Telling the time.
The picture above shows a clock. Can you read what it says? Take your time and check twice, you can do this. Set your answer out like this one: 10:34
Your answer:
6:32
